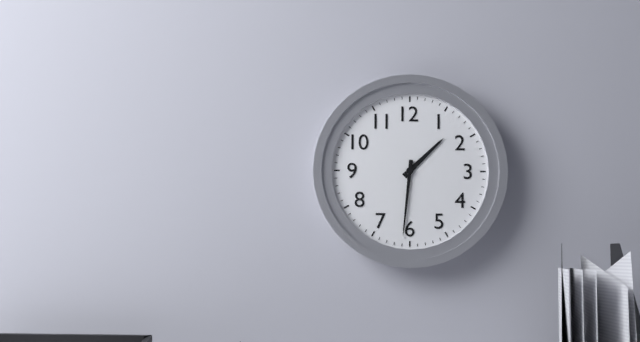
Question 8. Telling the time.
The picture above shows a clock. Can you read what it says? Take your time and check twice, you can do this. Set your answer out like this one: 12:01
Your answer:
1:31
